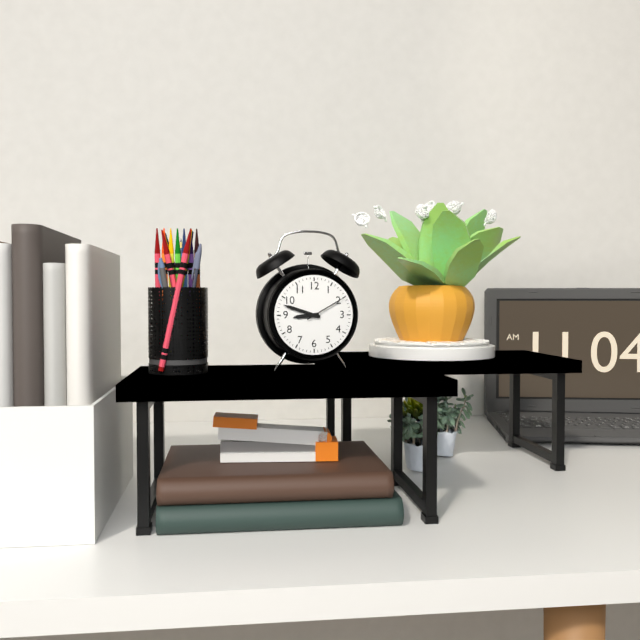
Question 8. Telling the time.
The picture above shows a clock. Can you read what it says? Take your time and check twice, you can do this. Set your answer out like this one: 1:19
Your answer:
8:48
